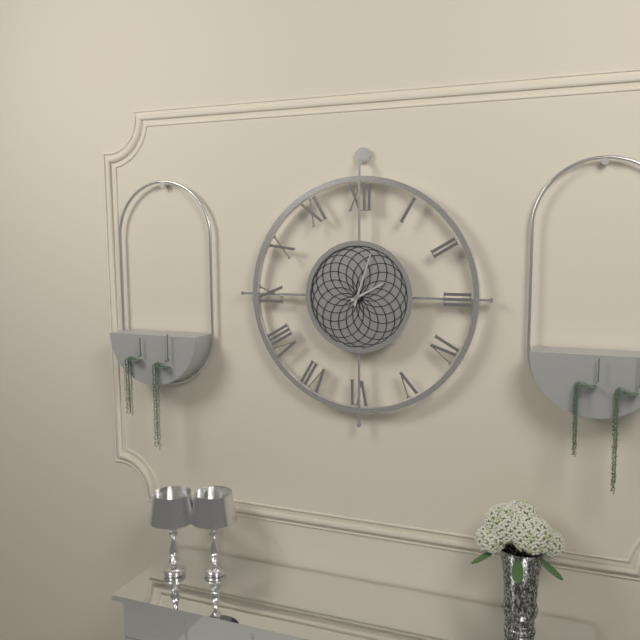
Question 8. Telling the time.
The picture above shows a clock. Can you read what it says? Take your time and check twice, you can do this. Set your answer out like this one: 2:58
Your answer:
2:03
